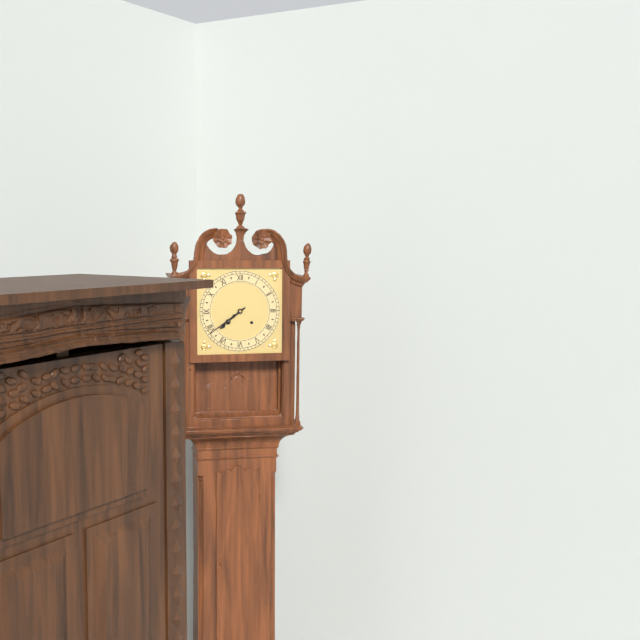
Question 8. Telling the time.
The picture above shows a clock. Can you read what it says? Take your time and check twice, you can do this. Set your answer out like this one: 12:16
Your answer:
7:39
